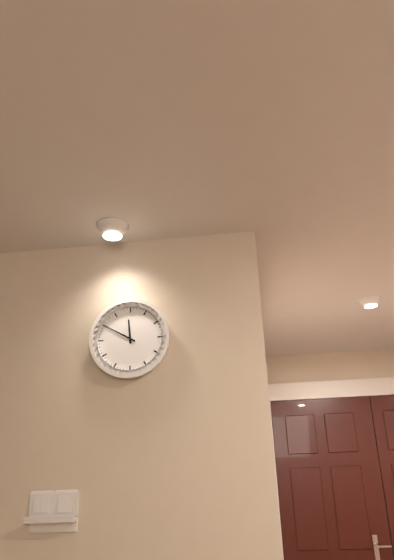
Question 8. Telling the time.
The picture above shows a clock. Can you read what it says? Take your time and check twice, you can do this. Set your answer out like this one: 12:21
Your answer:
11:50
